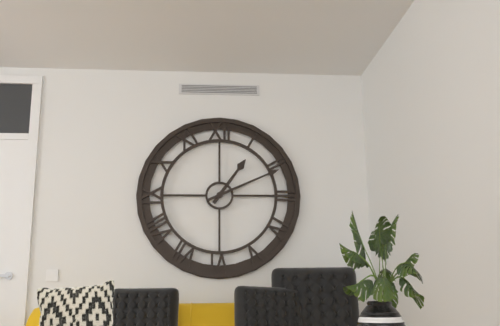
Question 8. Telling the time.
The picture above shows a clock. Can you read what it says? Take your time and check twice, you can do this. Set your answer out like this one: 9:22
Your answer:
1:11
